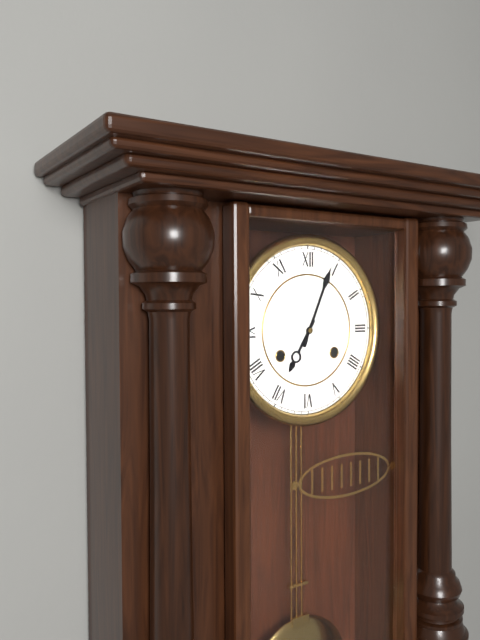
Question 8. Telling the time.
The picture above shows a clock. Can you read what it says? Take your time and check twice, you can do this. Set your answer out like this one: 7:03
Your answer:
7:04
